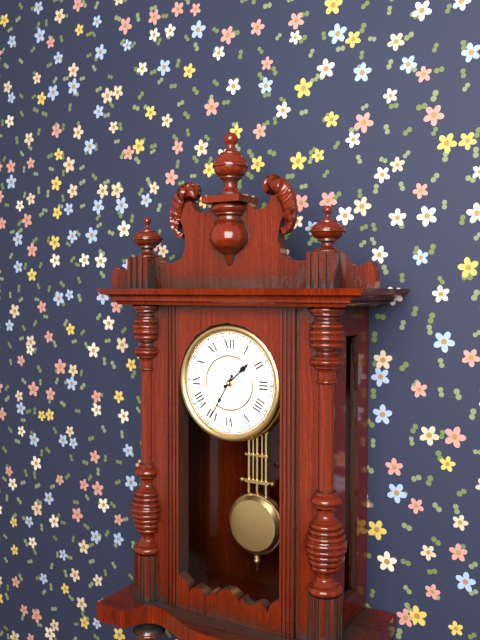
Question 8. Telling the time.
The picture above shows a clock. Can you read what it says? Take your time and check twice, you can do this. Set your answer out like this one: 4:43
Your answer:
1:35
